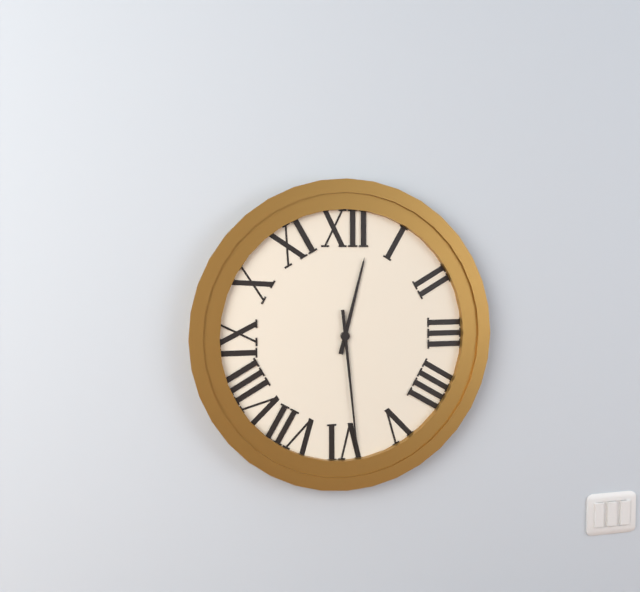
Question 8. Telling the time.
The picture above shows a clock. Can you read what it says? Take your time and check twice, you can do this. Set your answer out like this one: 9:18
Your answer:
12:29
